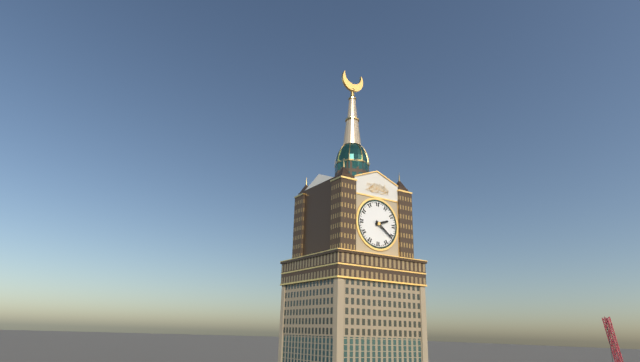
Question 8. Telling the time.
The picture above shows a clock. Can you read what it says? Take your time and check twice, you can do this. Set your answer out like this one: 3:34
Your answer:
2:21
